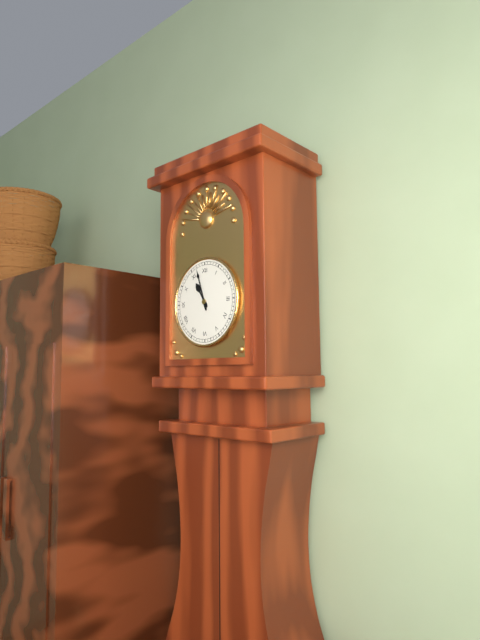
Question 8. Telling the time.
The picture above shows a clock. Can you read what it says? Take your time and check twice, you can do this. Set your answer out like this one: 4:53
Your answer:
10:57
